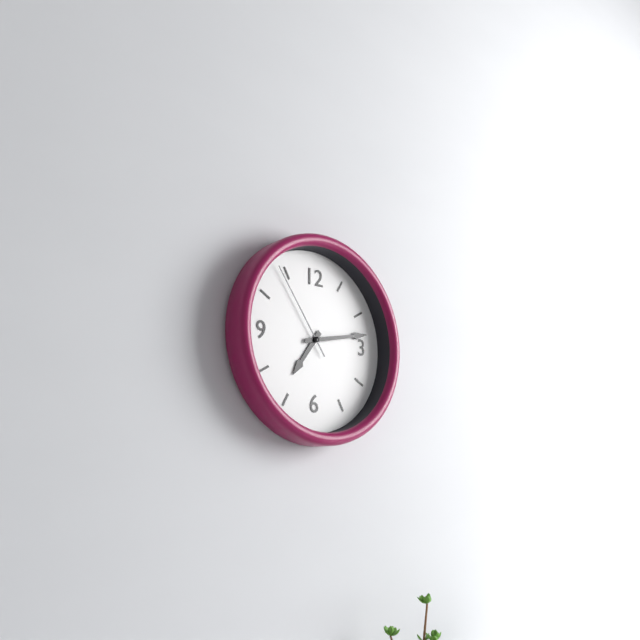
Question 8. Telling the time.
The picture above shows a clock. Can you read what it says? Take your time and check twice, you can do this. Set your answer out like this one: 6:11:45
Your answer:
7:13:54
